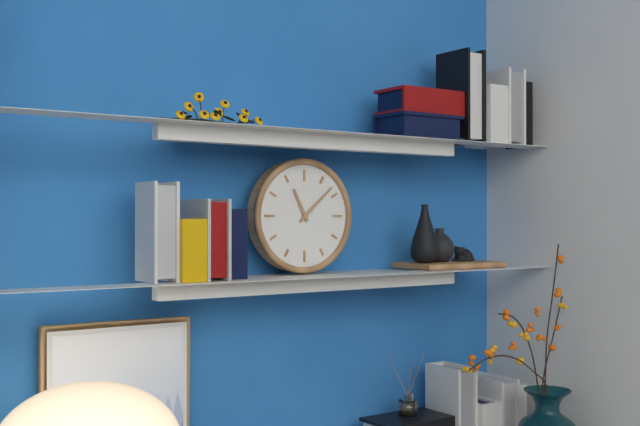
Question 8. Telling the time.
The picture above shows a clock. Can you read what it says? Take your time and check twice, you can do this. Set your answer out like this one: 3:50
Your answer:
11:08
